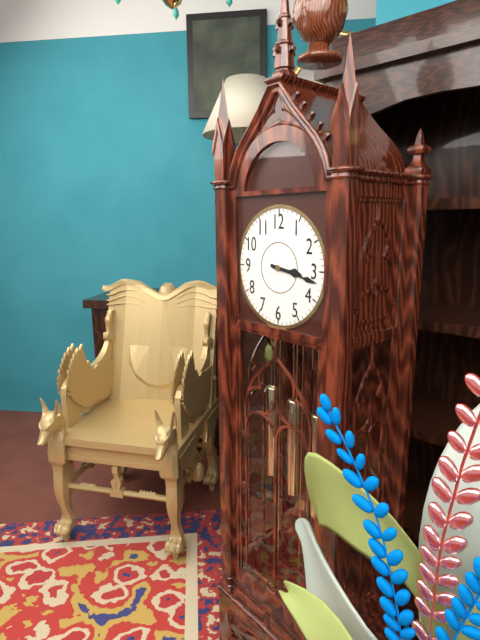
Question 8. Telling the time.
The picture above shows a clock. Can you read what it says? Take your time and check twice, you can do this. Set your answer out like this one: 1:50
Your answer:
3:17
